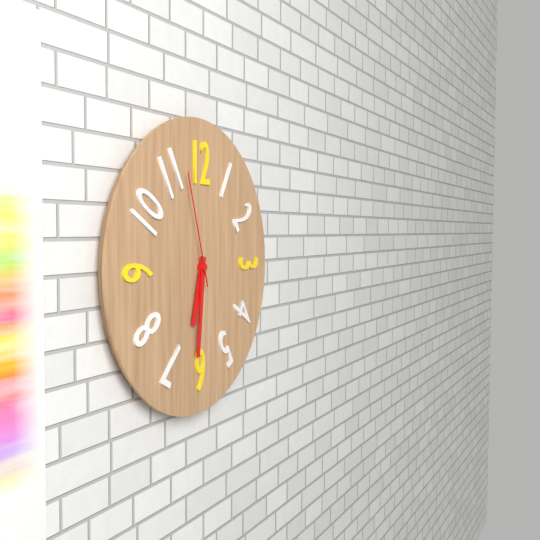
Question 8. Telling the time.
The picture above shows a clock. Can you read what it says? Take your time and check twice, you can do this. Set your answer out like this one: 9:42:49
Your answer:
6:31:57
